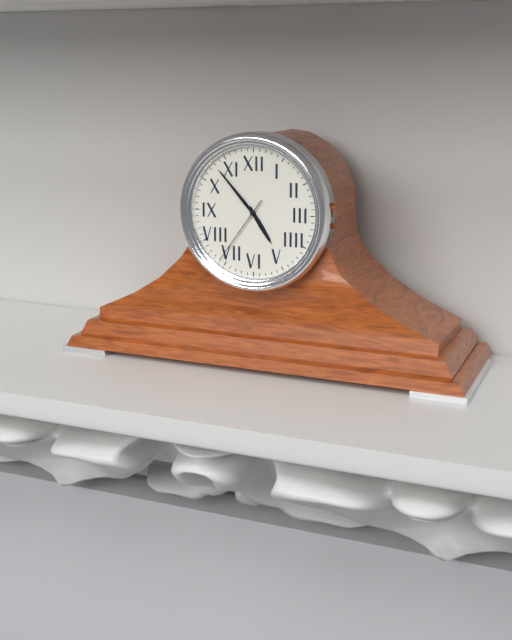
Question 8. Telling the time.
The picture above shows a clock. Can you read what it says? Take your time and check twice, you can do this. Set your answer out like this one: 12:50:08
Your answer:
4:53:36
